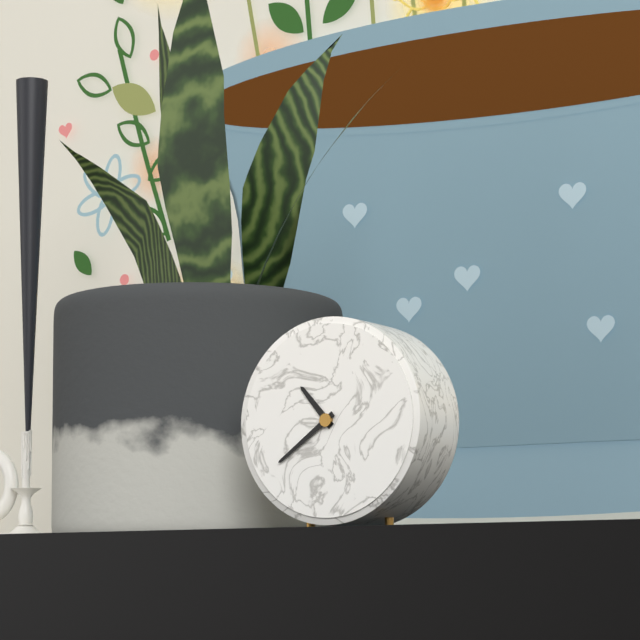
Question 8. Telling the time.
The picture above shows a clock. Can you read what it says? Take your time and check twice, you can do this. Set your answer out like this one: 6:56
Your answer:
10:39
